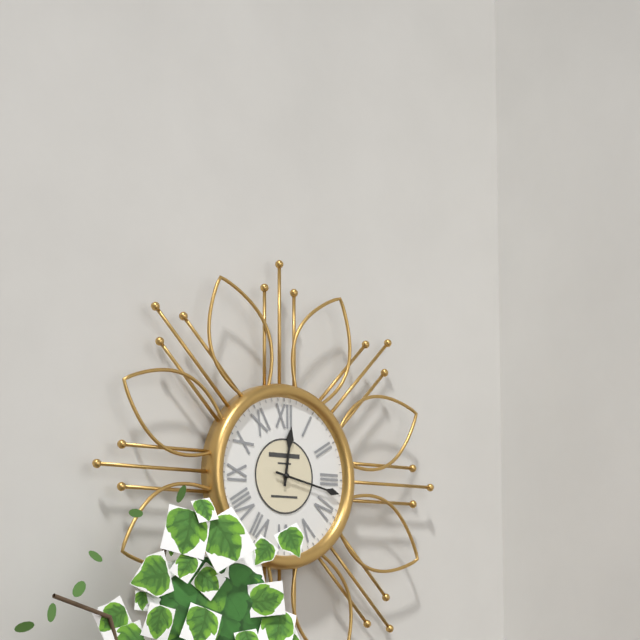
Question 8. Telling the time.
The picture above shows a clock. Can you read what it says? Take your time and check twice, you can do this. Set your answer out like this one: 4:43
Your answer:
12:17
